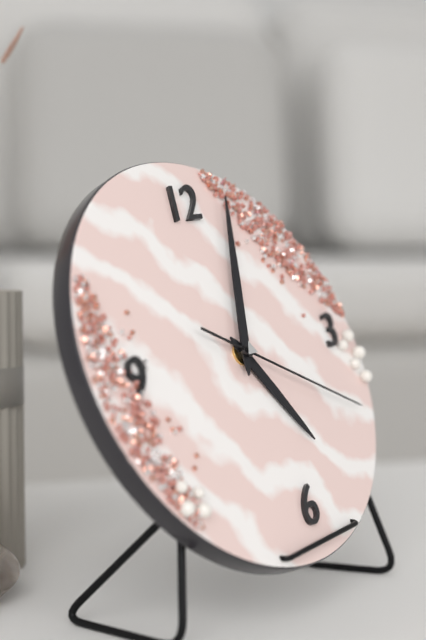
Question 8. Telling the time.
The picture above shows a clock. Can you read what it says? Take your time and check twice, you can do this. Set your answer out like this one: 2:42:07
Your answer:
5:04:20
